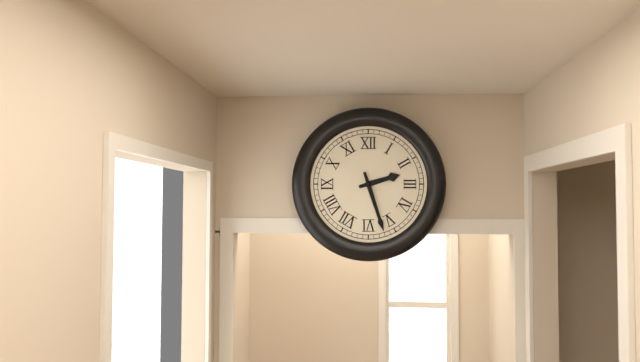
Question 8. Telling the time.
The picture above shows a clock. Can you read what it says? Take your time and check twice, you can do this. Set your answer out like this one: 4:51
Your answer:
2:27
